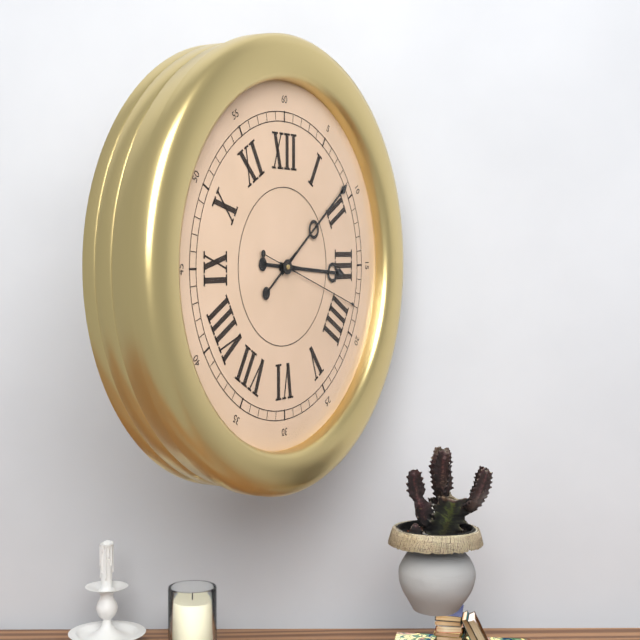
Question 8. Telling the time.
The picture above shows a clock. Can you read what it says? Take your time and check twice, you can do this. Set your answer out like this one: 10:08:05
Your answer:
3:09:18
